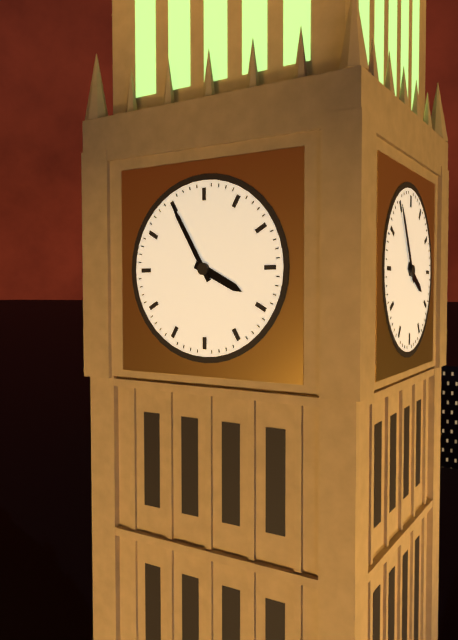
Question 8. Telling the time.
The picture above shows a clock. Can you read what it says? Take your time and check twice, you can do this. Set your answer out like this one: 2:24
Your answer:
3:55
